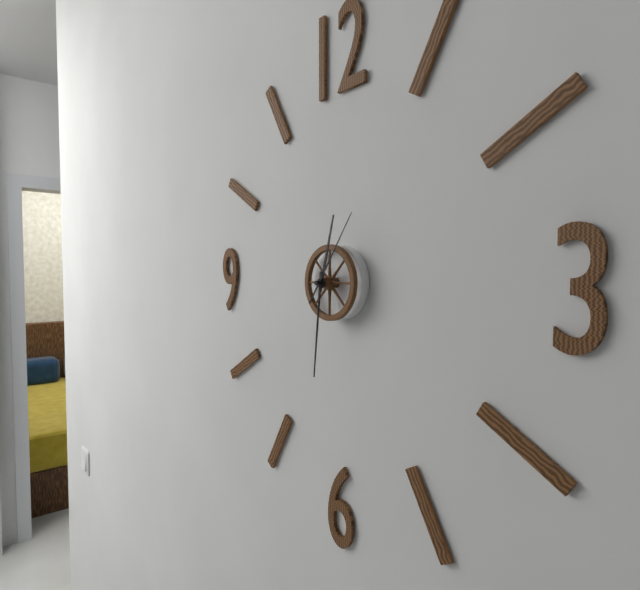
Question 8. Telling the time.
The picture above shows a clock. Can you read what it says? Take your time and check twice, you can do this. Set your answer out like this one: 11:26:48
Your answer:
12:31:06
